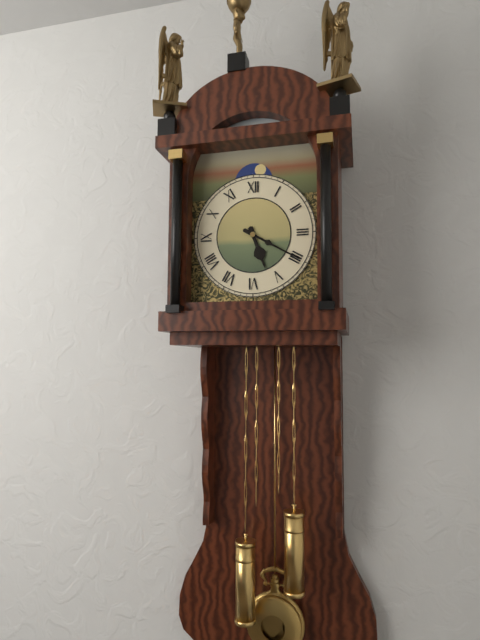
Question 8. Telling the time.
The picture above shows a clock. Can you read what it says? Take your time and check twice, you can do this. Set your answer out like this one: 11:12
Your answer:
5:20
